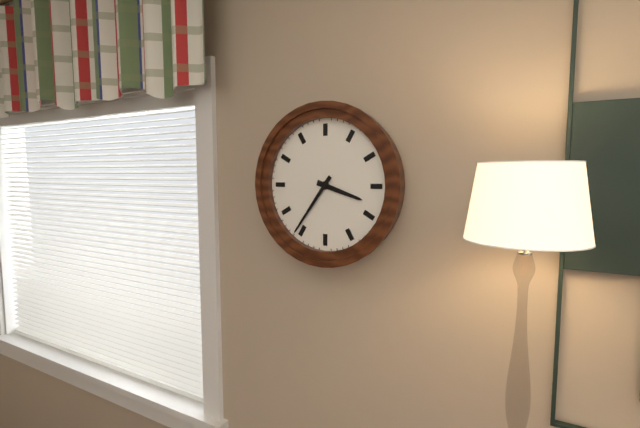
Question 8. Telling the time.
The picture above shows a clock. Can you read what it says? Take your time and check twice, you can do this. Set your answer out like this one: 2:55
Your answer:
3:36
